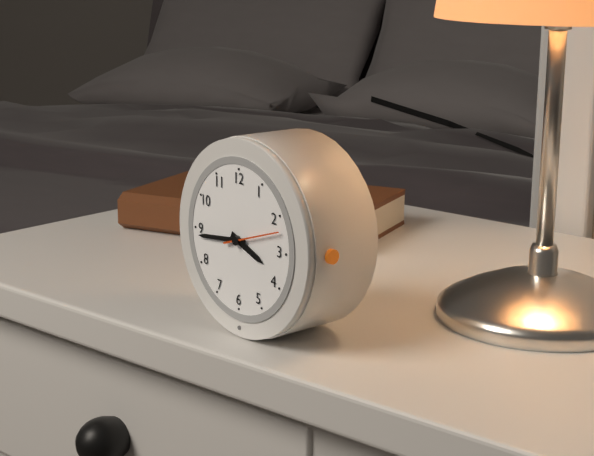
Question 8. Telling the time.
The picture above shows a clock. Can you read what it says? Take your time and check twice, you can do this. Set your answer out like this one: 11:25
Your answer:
3:44
